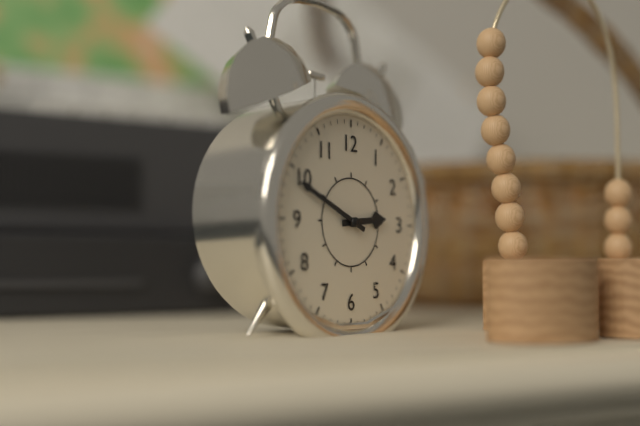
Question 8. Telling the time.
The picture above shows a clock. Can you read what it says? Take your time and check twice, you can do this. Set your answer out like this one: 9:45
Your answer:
2:49
